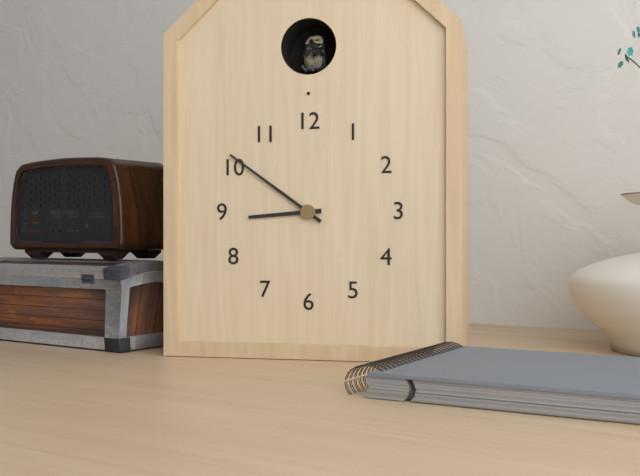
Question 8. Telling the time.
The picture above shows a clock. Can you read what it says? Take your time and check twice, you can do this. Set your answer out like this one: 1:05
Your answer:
8:51
